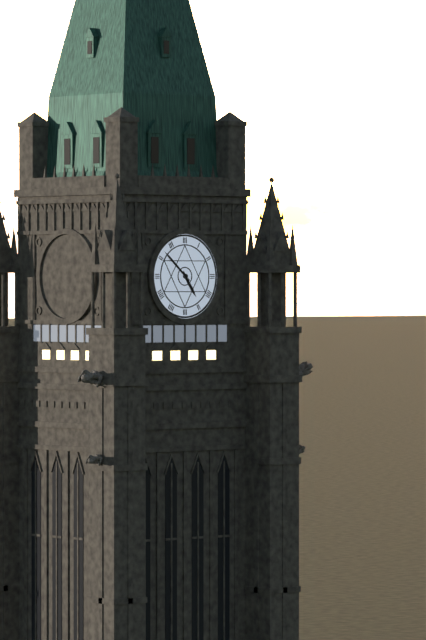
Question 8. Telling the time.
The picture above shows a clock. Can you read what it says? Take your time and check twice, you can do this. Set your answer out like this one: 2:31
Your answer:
4:52
